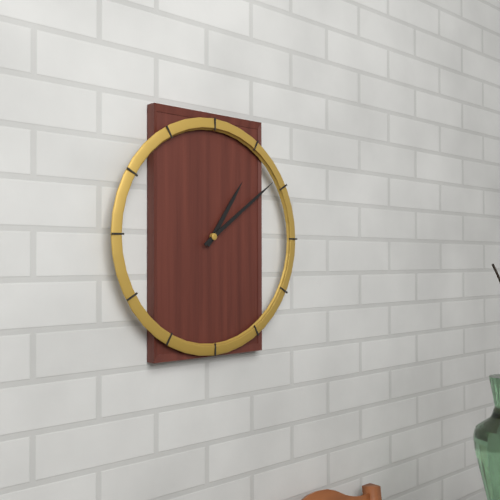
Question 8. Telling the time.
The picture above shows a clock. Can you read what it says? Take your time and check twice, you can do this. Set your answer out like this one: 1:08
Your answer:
1:09
